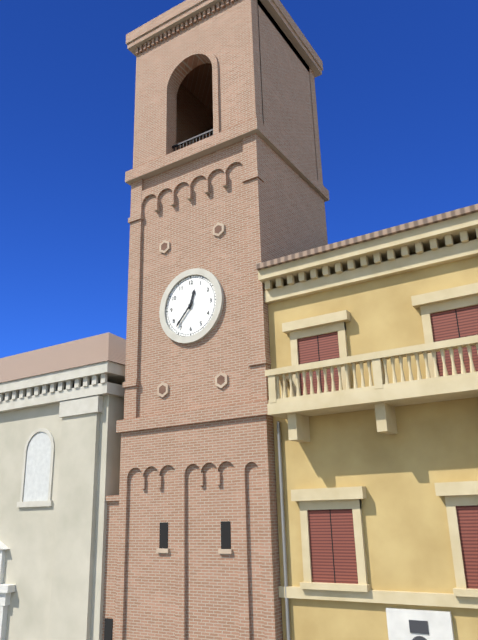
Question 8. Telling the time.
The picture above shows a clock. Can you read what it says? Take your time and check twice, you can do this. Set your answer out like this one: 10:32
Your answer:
12:37
